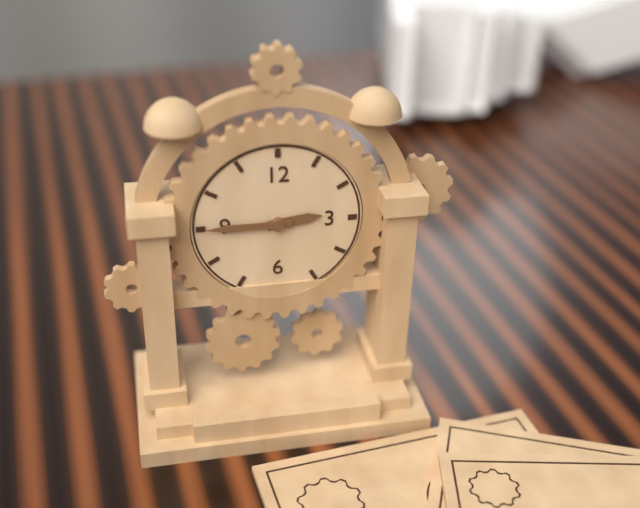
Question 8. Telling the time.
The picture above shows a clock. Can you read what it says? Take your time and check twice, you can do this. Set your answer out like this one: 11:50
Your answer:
2:45
